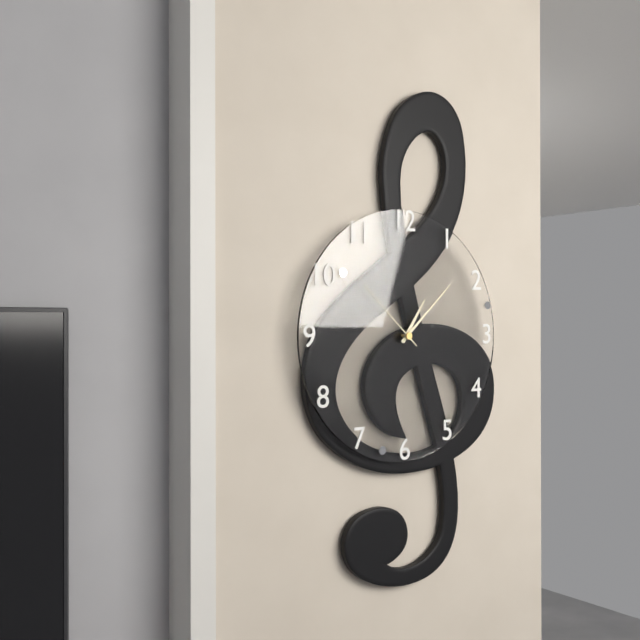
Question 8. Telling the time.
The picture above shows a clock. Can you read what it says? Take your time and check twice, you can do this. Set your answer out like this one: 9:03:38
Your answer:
1:08:52
